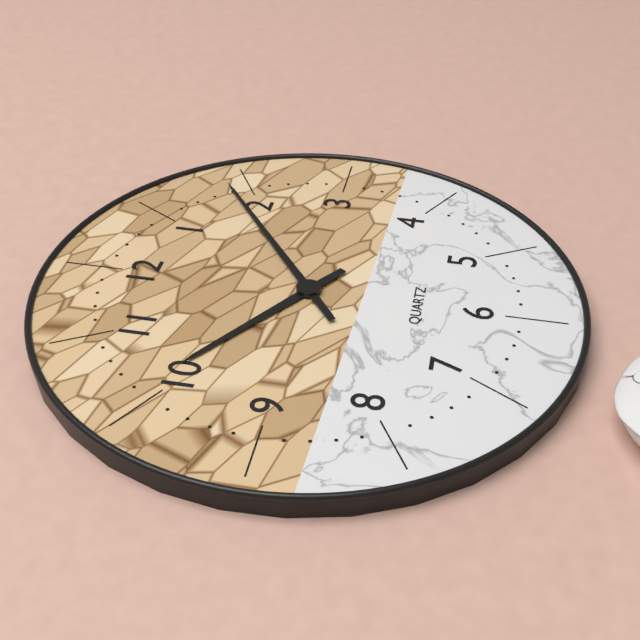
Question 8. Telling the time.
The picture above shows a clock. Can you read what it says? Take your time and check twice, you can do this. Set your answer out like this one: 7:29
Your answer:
10:09
